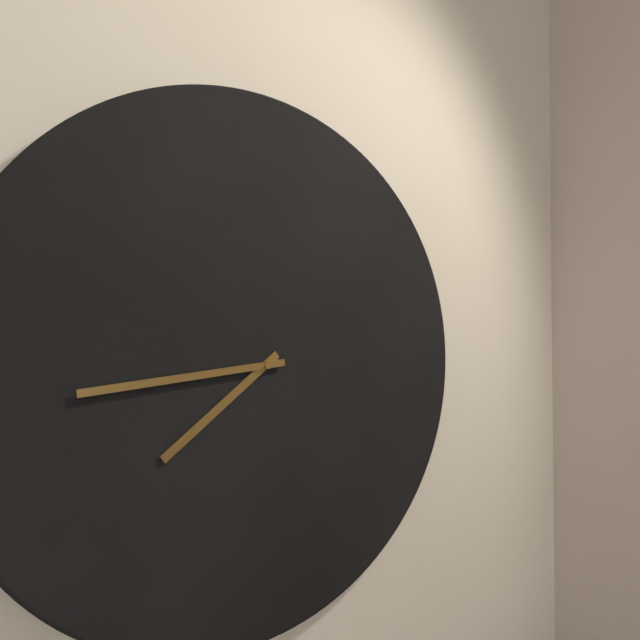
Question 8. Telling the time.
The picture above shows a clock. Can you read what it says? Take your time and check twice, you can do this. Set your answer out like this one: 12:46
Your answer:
7:44
